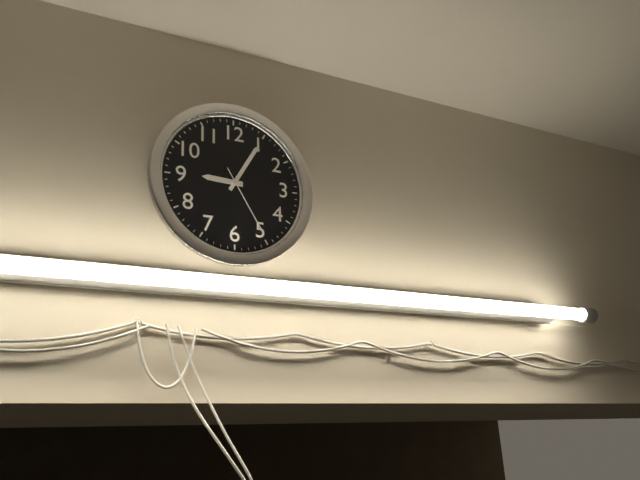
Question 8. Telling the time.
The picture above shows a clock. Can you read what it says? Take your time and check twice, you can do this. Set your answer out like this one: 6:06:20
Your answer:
9:05:25
